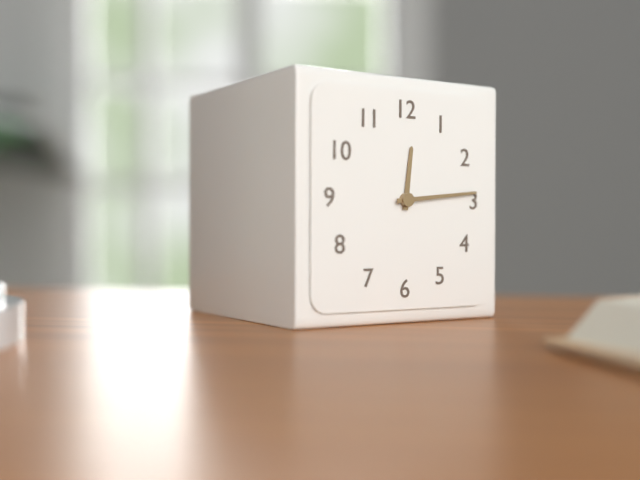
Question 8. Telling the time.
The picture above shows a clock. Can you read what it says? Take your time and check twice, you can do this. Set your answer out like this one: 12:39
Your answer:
12:14
